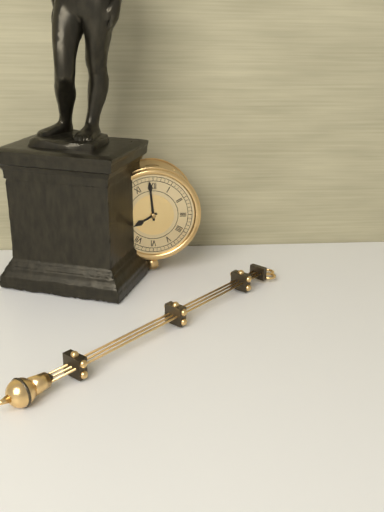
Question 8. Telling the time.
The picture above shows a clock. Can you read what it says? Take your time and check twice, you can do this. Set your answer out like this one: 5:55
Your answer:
7:59
